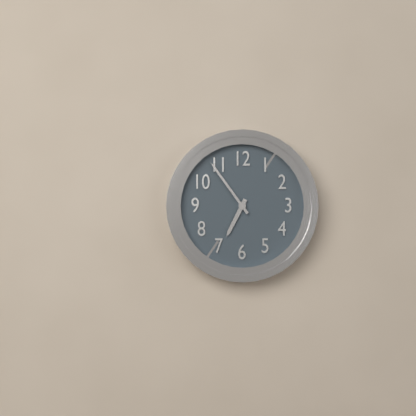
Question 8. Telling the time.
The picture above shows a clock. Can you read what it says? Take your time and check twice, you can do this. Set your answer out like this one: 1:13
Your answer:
6:54
